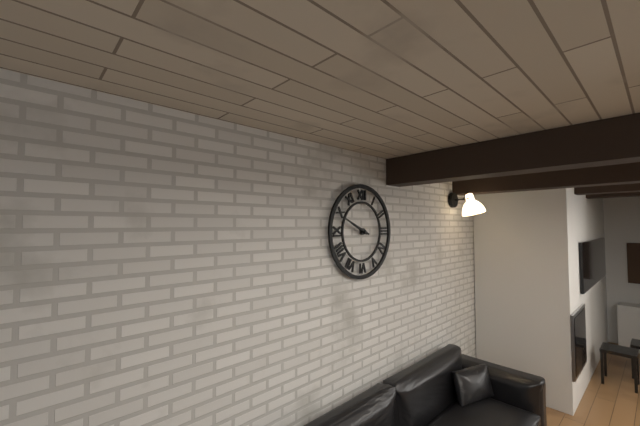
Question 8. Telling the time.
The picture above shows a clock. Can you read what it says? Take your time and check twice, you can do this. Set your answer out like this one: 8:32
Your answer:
9:49
